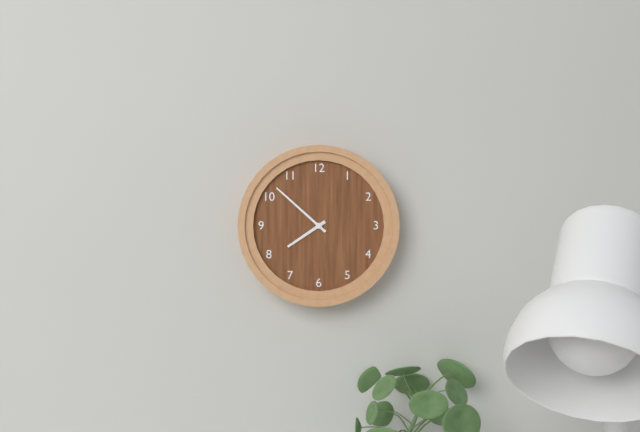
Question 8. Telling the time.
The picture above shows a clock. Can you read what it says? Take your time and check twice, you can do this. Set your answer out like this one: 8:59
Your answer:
7:52
